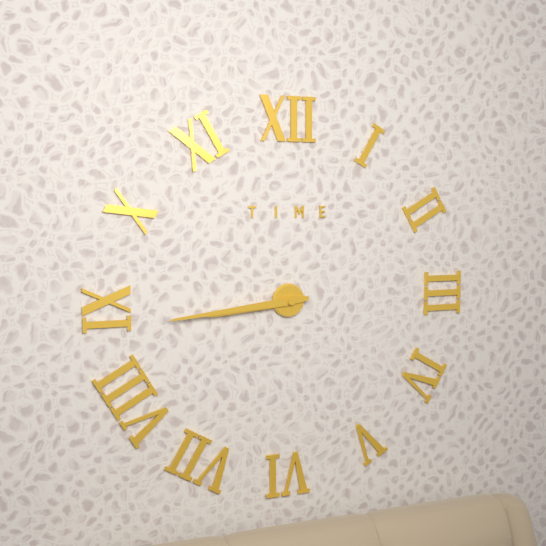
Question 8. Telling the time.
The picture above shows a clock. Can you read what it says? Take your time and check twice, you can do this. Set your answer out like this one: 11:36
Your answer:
8:44
